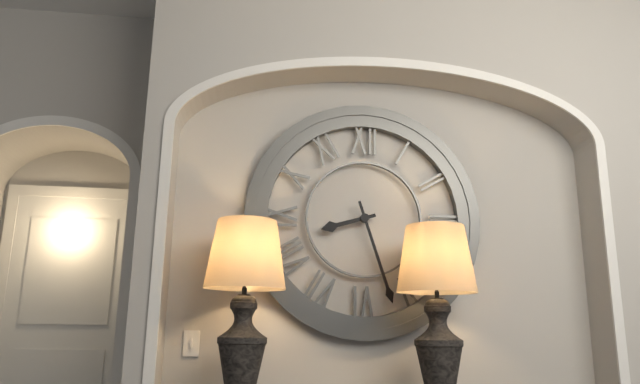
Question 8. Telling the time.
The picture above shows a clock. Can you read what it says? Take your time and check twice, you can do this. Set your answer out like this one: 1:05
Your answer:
8:27
